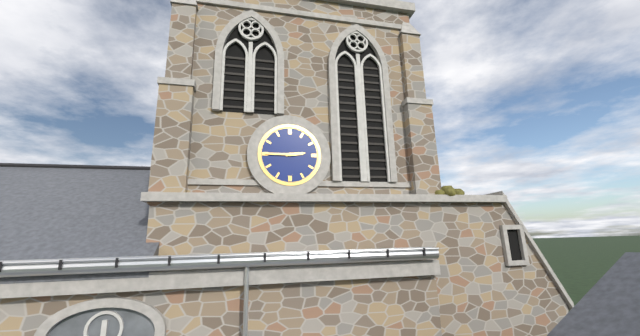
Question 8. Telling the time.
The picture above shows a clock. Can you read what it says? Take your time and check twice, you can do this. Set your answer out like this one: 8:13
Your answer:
2:45
